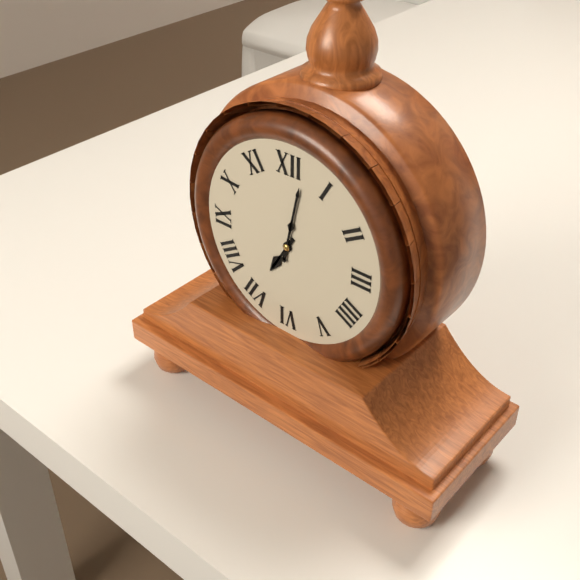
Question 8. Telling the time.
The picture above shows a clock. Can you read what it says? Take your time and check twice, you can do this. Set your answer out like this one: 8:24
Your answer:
7:02
